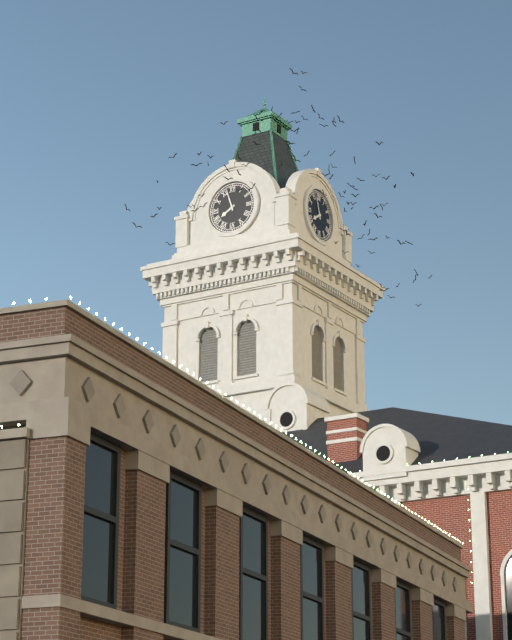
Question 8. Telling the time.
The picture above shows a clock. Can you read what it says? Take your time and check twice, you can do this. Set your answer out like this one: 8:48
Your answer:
7:57
